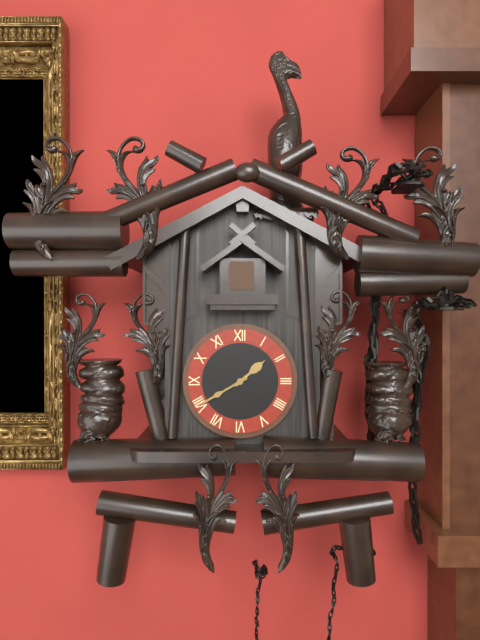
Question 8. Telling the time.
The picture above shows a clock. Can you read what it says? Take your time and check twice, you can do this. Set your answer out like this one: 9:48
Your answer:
1:40
